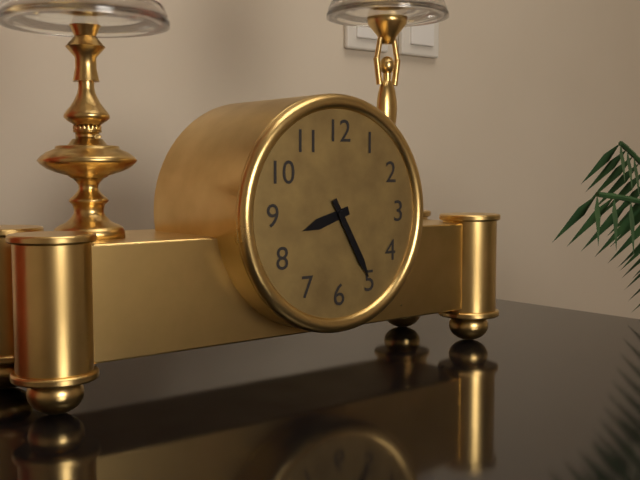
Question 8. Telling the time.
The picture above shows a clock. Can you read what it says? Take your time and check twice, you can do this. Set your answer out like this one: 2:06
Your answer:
8:25
